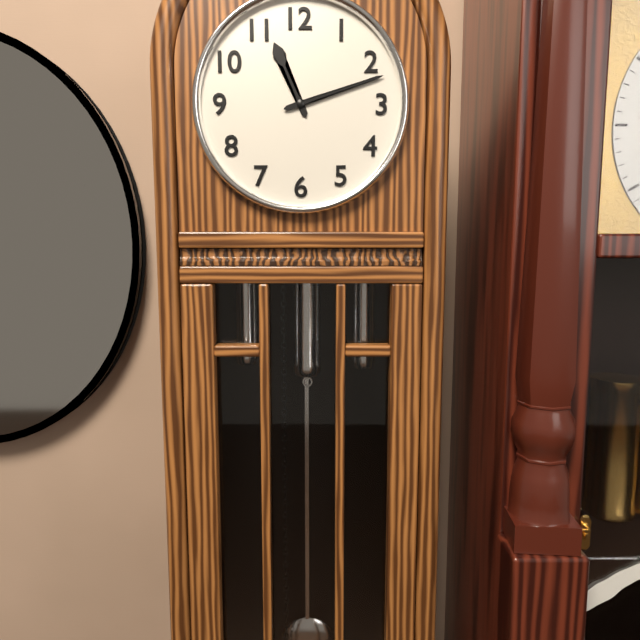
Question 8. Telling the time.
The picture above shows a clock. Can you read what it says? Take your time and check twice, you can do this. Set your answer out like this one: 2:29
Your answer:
11:12
